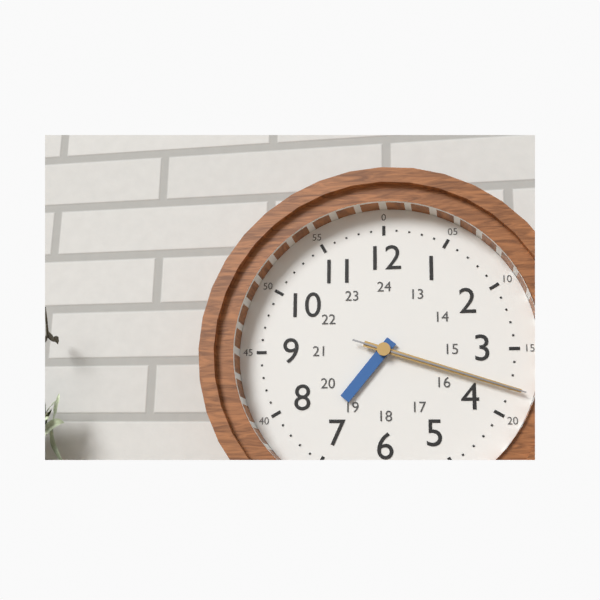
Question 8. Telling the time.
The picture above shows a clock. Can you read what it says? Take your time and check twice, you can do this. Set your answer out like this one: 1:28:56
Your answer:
7:18:18
